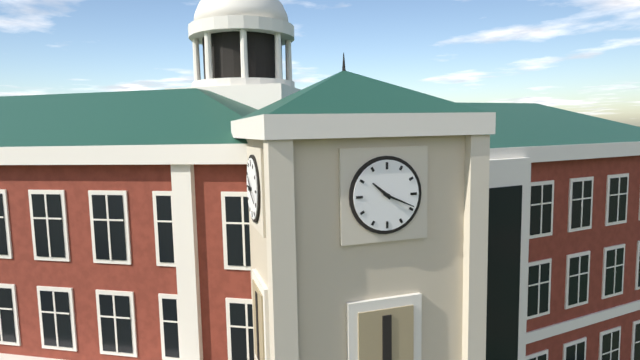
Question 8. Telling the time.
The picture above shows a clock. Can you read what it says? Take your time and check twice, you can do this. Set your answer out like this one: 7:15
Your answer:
10:19
